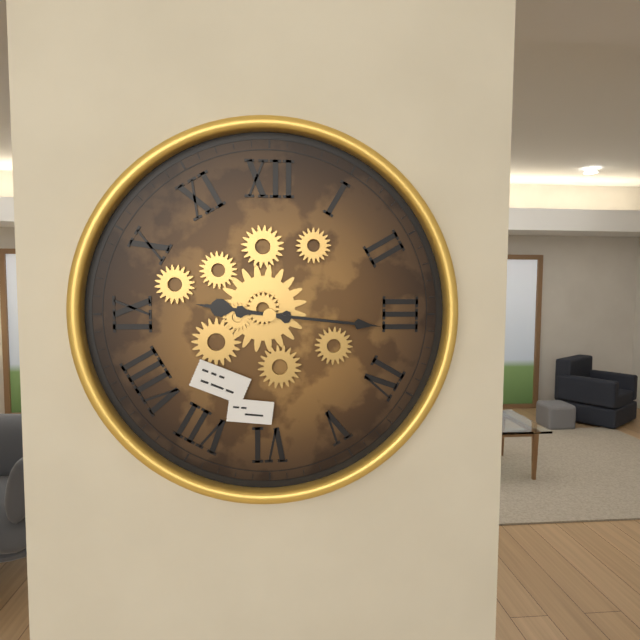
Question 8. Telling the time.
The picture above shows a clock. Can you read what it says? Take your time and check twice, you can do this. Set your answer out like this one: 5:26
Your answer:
9:16
